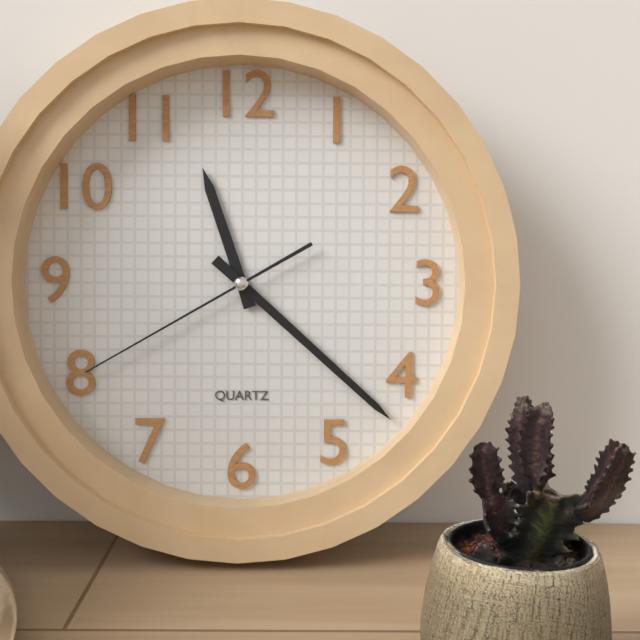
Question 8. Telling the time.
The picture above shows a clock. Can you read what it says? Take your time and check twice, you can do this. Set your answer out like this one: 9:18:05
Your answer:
11:22:40
